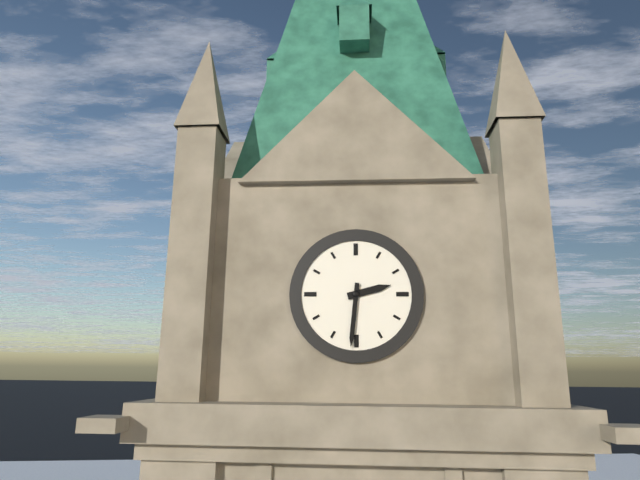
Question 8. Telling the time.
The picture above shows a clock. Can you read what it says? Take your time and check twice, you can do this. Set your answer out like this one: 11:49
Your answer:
2:31
